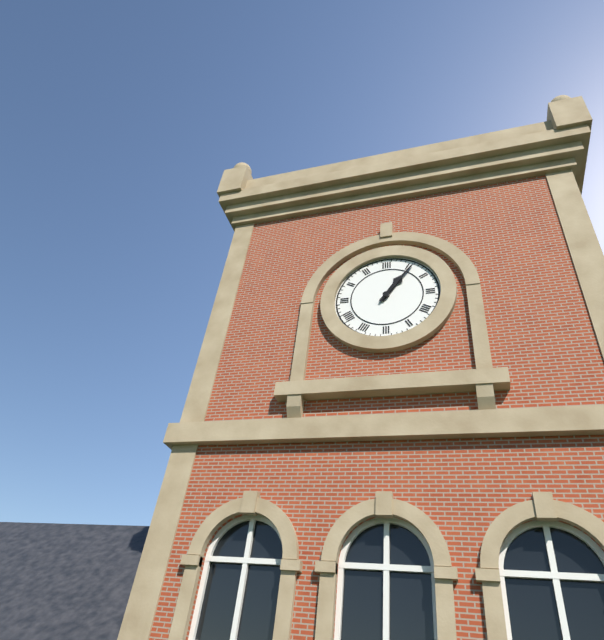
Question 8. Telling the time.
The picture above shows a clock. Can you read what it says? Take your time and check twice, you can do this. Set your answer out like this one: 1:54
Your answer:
1:06
